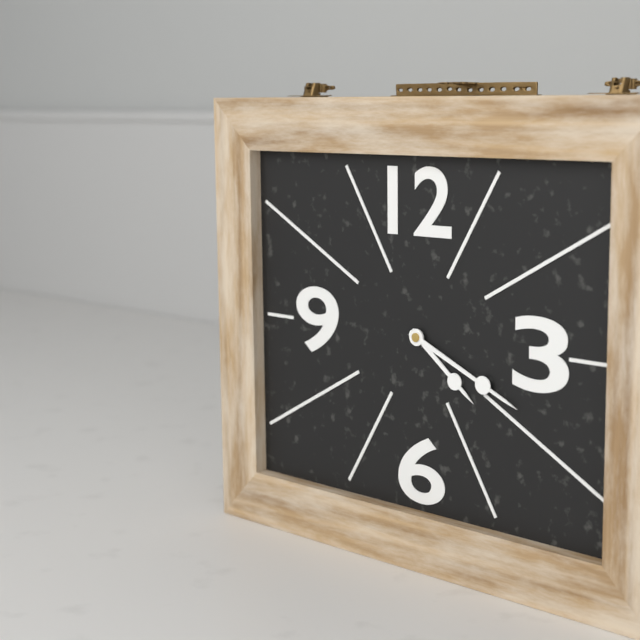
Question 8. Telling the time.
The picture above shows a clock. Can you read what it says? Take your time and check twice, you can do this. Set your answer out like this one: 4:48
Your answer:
4:19
